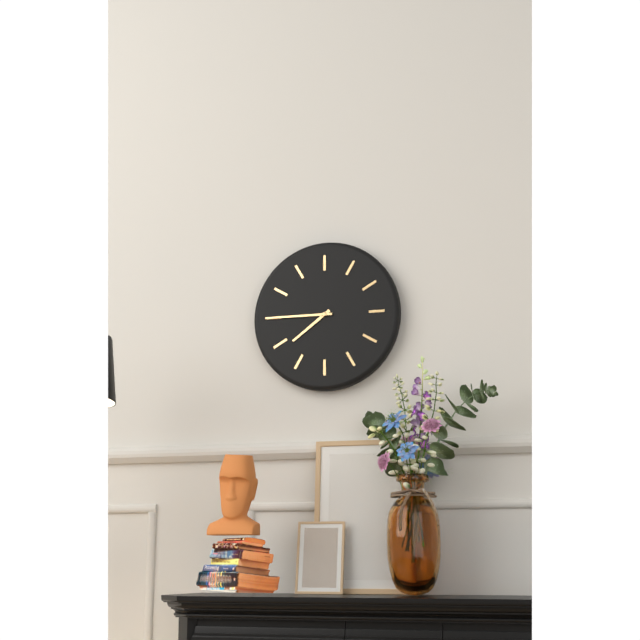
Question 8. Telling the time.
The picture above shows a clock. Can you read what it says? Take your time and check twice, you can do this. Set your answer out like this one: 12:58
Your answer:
7:45
